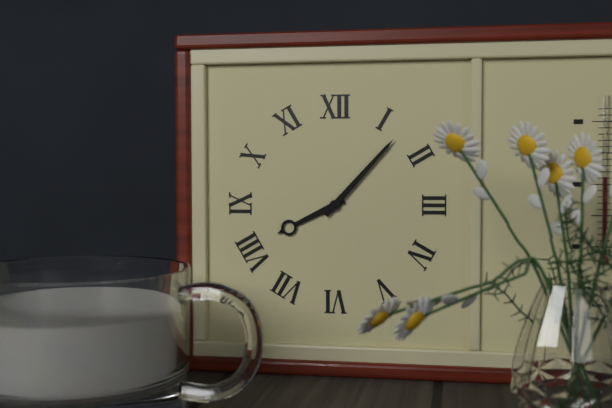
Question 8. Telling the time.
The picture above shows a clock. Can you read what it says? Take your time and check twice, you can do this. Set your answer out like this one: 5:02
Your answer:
8:07
